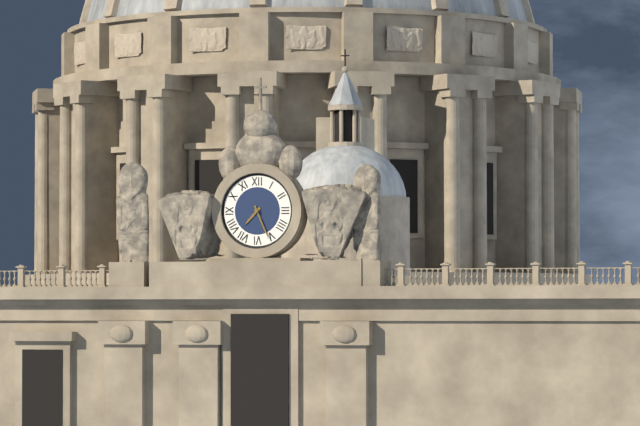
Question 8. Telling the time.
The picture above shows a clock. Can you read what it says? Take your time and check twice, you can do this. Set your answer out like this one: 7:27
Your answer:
7:26
